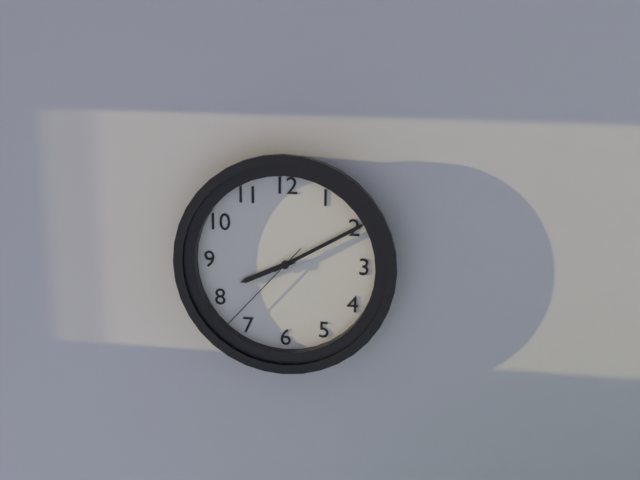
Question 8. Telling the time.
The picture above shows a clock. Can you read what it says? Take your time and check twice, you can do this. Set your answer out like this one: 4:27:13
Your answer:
8:10:37
